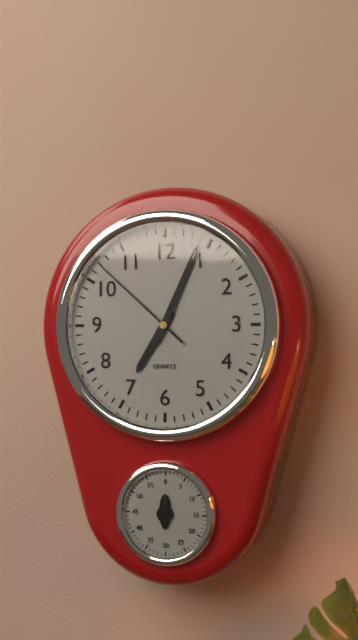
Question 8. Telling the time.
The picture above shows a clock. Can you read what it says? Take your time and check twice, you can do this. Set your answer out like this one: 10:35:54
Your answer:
7:04:52
